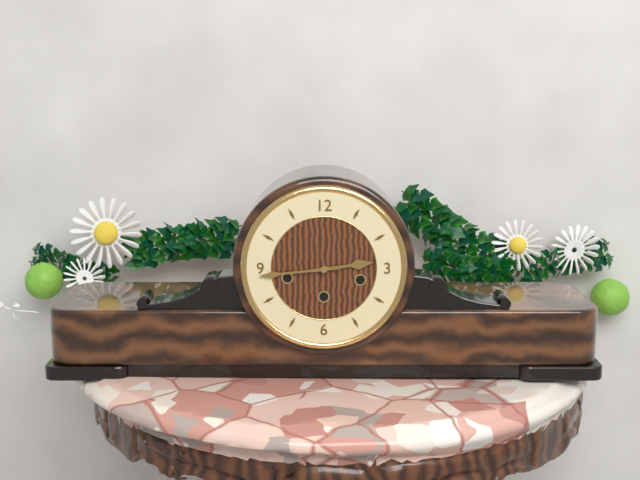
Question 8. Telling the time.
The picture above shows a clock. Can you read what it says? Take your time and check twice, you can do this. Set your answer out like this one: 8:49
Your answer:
2:44
